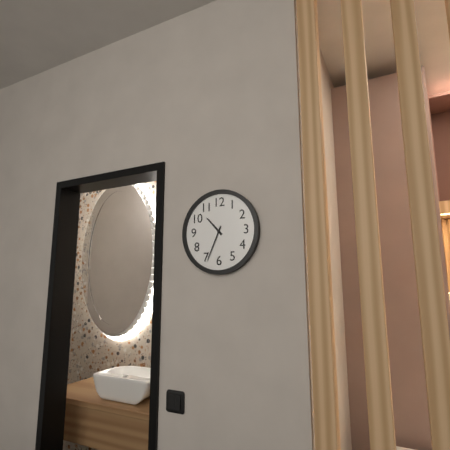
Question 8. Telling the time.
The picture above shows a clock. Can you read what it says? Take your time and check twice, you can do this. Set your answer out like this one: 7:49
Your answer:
10:34
